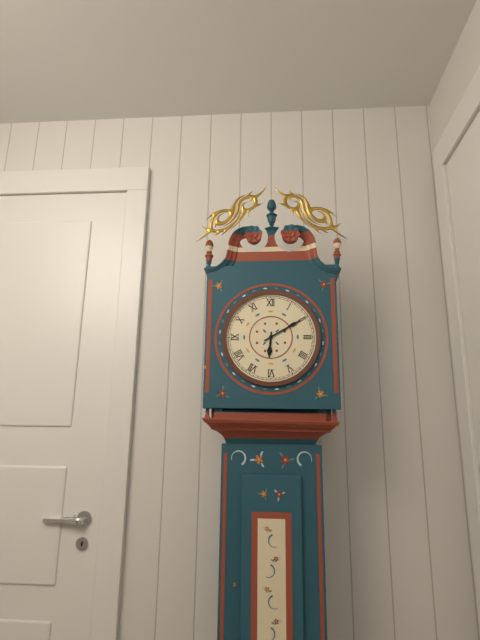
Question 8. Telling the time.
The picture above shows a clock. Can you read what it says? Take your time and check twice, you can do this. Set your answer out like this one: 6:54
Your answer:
6:10
